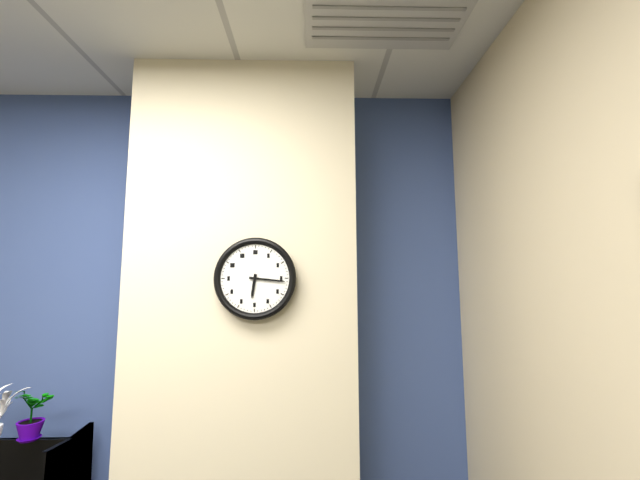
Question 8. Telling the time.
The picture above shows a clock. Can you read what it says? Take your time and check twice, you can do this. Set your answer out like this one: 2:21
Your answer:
6:16
